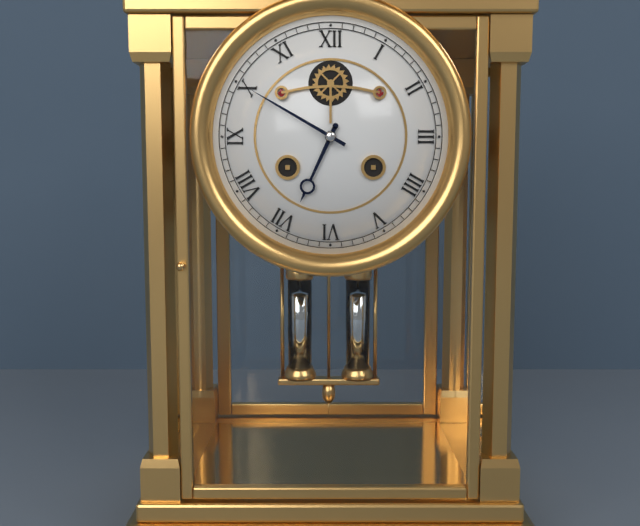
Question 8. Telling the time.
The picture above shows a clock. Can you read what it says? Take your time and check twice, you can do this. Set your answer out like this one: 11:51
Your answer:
6:50
